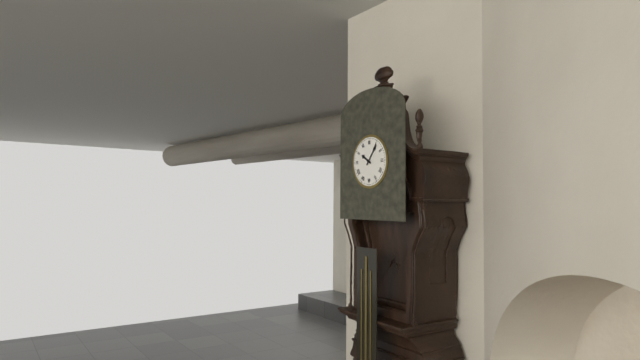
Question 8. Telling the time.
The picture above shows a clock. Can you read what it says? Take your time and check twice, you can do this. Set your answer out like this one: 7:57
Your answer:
10:06
